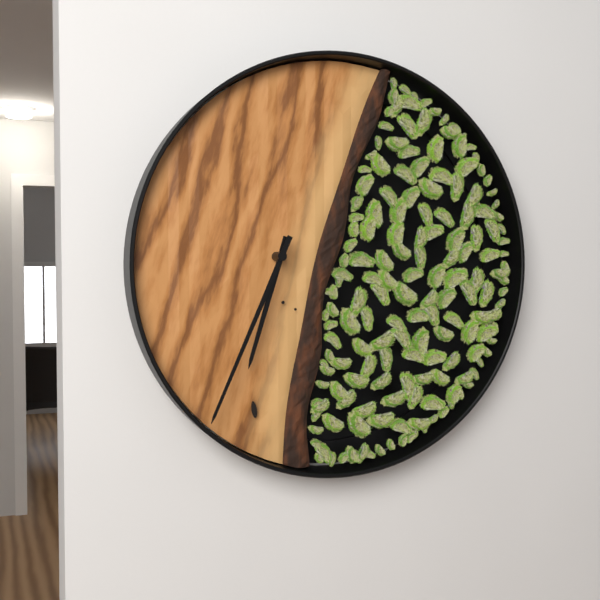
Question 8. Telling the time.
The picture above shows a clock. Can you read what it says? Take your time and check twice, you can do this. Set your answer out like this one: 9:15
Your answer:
6:34
